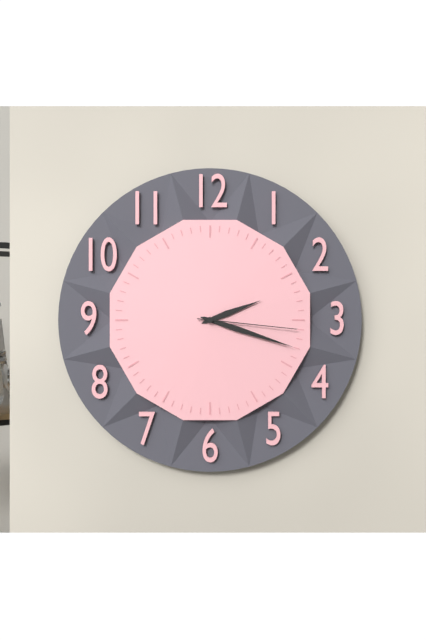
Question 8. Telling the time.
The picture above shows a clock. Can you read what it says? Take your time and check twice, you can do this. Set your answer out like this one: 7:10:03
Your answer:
2:18:16
